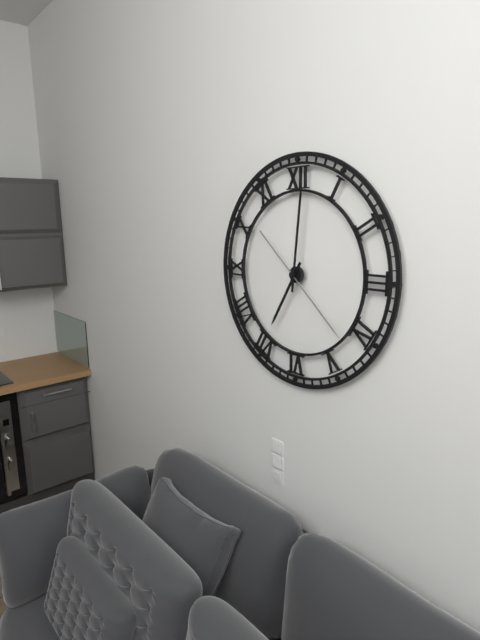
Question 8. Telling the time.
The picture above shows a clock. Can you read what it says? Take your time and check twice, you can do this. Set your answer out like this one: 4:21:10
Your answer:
7:01:22
